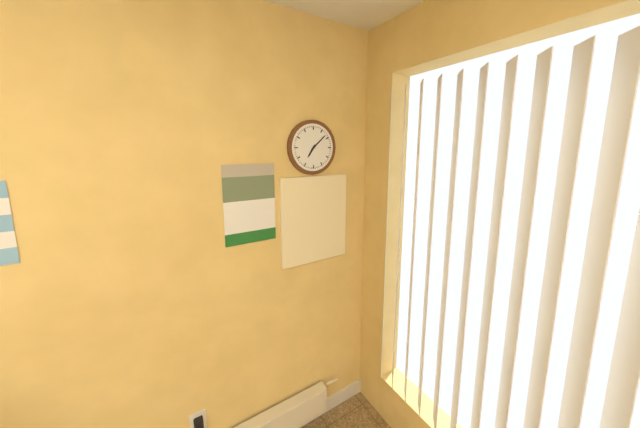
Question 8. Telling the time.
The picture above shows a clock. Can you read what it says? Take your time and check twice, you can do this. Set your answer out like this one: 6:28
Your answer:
7:08
